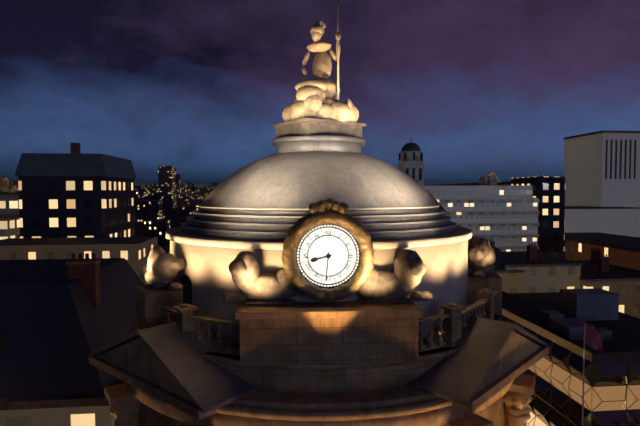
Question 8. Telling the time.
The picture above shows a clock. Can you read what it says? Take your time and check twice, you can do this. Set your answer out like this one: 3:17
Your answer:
8:31
